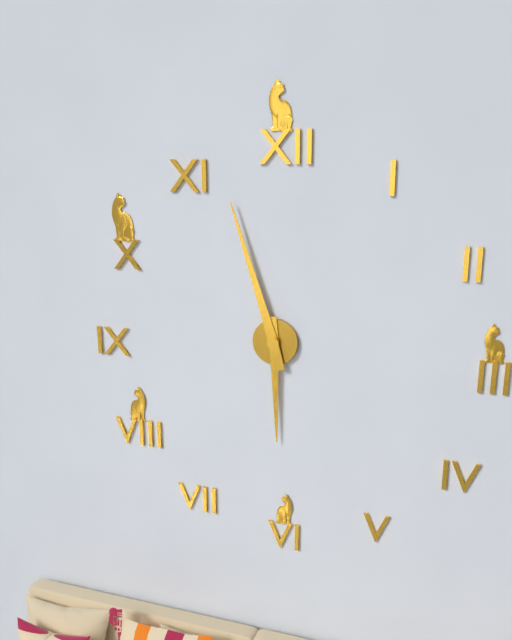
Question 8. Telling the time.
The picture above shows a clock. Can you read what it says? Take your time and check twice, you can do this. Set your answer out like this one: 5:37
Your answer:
5:57
